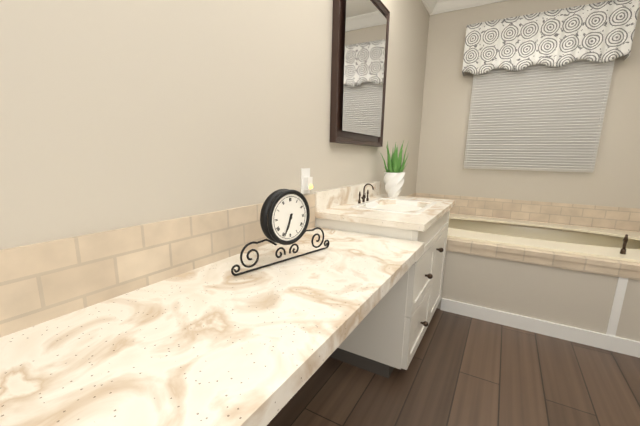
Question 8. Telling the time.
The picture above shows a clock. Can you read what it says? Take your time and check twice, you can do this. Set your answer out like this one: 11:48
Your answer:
6:34
